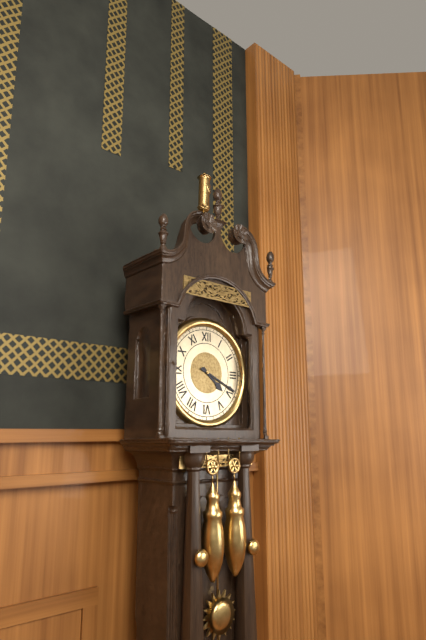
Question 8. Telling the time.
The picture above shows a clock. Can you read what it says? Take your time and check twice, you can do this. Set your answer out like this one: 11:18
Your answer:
4:19
